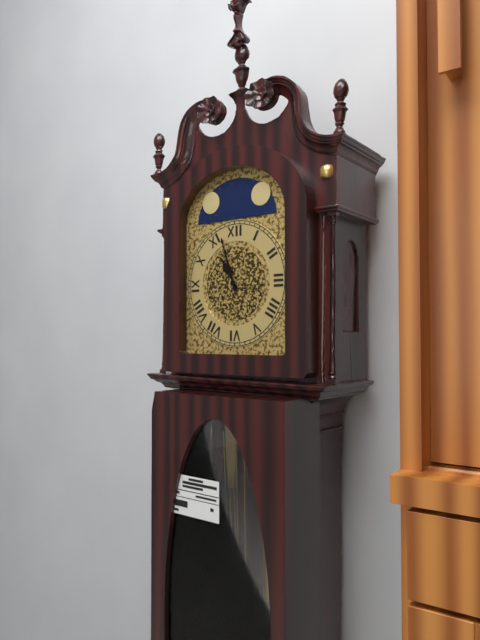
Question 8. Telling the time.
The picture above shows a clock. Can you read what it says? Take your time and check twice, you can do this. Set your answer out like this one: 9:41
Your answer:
10:57
